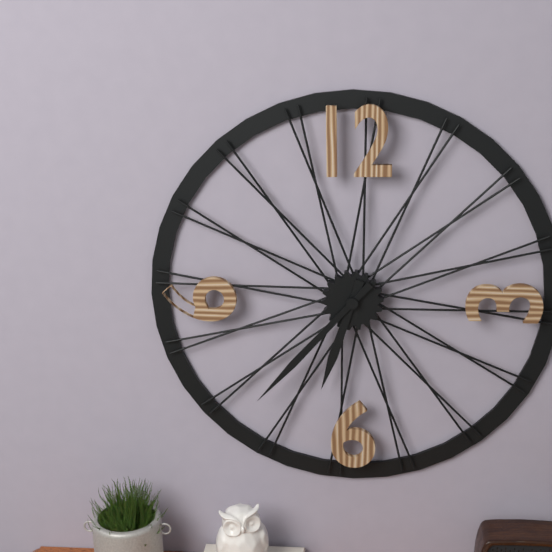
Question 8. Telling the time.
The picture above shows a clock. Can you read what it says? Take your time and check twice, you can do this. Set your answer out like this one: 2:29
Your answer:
6:37
